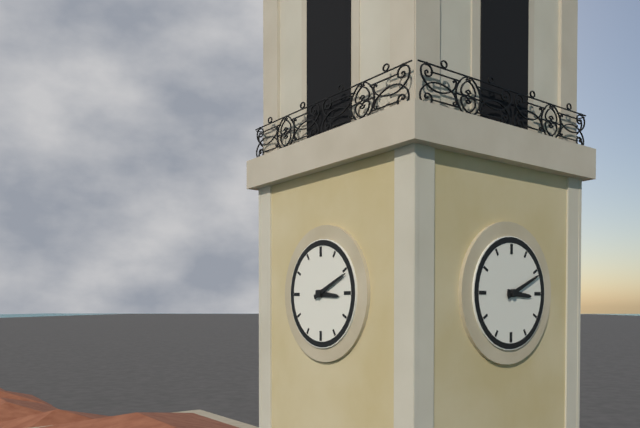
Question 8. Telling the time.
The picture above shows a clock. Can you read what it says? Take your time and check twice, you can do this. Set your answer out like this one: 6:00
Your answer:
3:11
